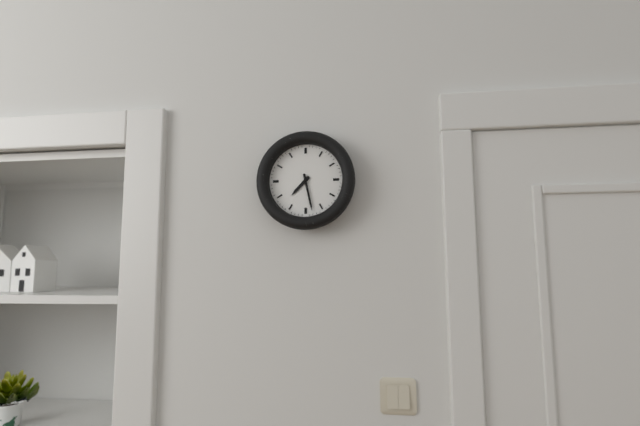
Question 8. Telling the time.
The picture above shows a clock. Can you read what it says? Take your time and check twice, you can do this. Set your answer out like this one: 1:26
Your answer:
7:28
